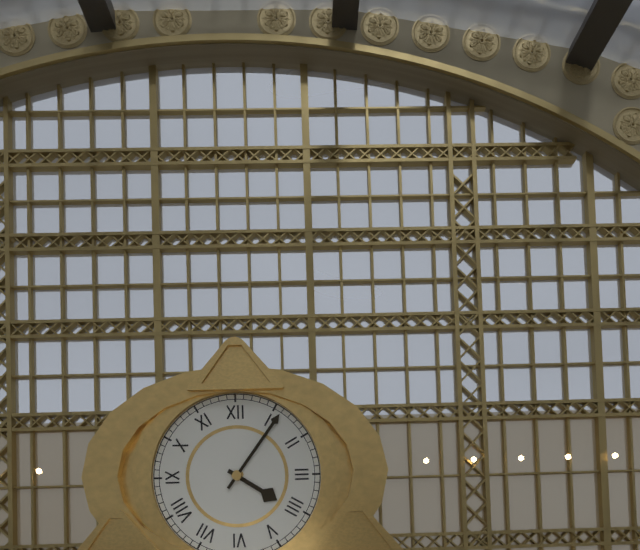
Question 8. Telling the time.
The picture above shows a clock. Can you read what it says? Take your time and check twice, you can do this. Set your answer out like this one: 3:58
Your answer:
4:06
